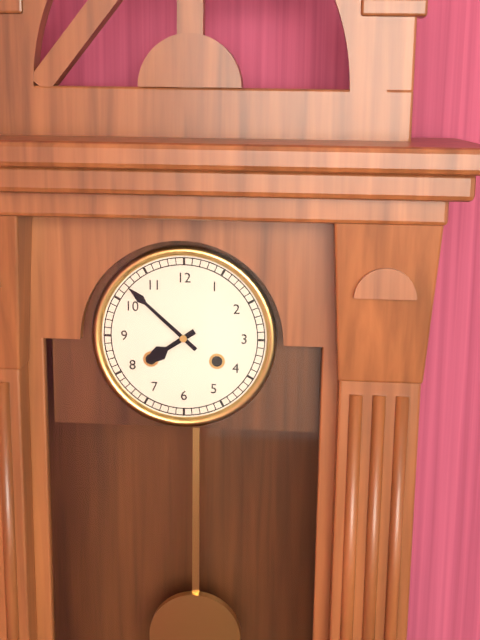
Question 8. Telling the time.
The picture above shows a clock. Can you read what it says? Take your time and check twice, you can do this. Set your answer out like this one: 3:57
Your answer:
7:52
